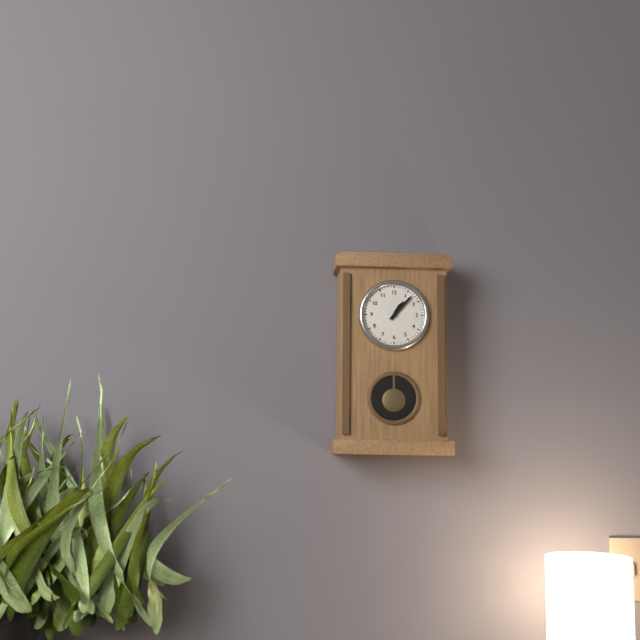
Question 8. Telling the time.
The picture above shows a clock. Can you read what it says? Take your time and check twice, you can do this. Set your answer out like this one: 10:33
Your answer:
1:07
